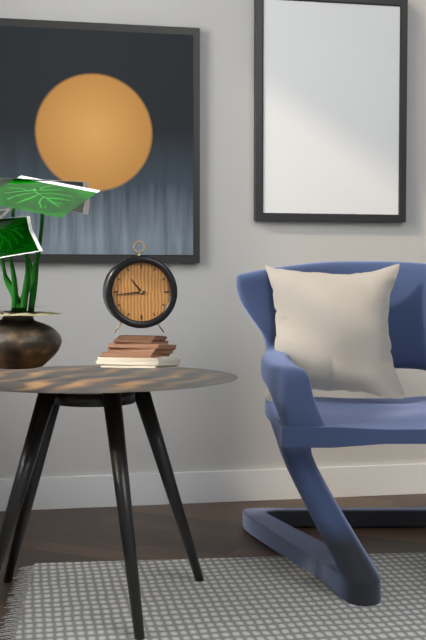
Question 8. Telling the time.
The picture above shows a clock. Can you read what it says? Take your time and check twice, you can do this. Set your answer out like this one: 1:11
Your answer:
10:44
